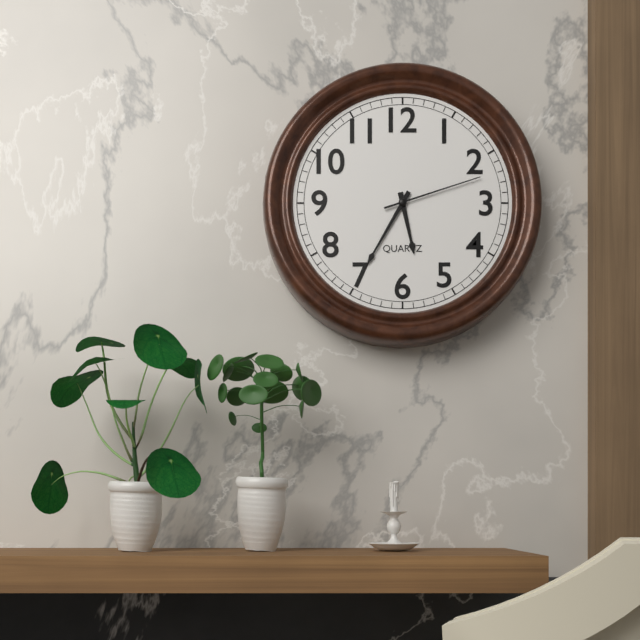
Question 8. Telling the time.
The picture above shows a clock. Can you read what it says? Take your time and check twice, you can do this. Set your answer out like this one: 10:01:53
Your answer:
5:35:12
